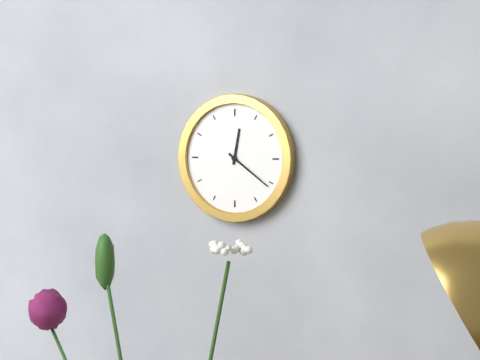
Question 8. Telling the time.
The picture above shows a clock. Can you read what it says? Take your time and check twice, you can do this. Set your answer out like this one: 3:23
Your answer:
12:21
